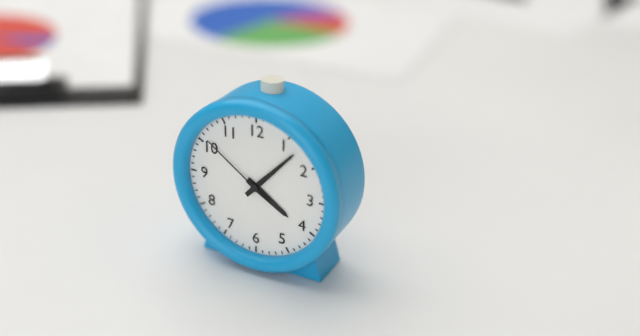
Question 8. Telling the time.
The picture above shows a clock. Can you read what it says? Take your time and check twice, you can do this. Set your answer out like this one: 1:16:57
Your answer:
4:07:51
